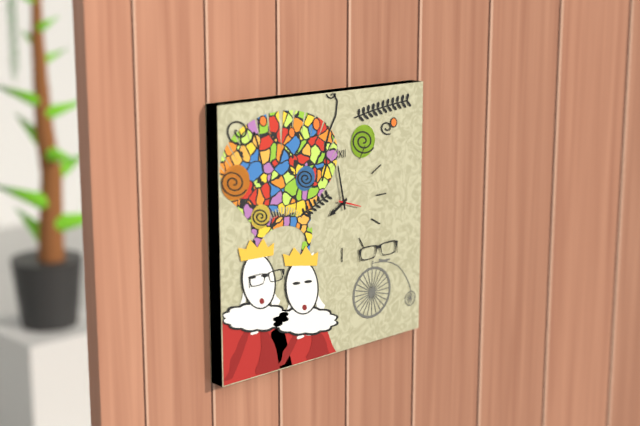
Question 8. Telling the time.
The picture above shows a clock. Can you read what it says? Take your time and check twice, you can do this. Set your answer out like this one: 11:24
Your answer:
7:58
